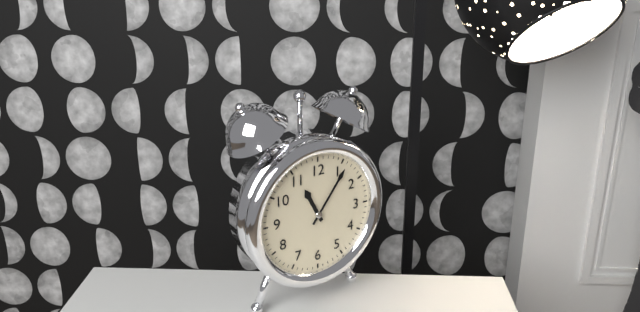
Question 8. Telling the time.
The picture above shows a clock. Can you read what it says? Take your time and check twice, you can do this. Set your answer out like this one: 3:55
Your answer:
11:06
